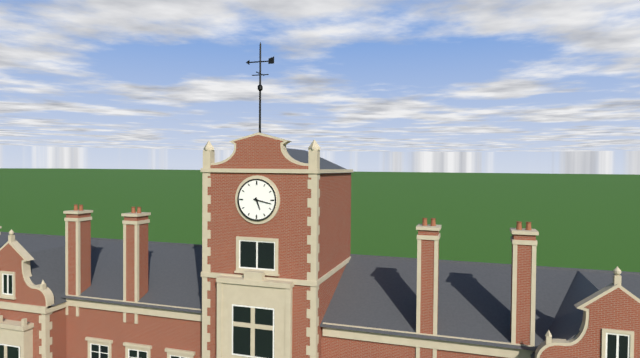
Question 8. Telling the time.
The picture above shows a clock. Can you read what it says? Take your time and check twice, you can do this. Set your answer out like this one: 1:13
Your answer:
5:17
